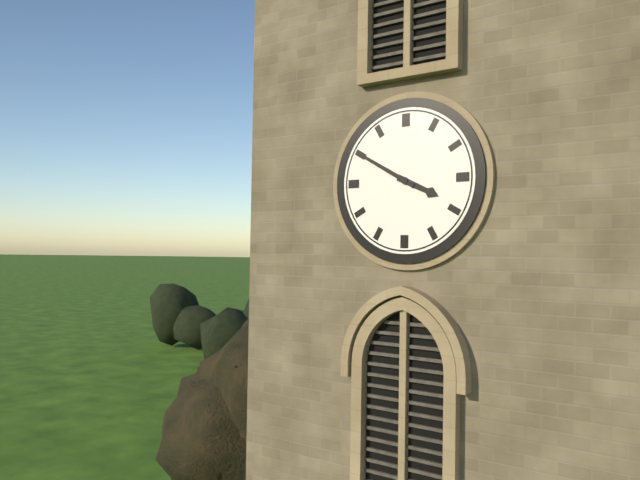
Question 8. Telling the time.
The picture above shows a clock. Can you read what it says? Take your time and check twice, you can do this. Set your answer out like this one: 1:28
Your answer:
3:50
